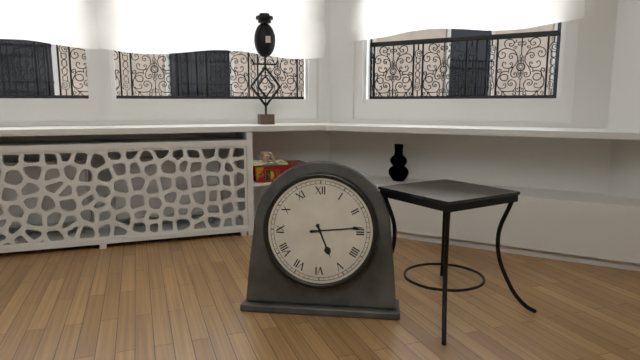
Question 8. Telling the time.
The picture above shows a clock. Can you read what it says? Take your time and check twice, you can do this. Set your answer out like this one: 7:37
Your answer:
5:14
